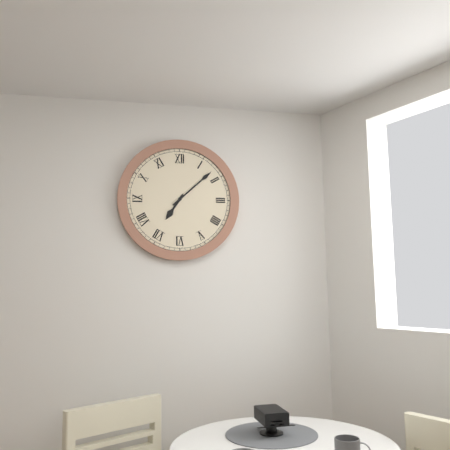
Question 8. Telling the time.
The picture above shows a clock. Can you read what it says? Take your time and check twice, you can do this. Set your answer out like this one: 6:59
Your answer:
7:08
